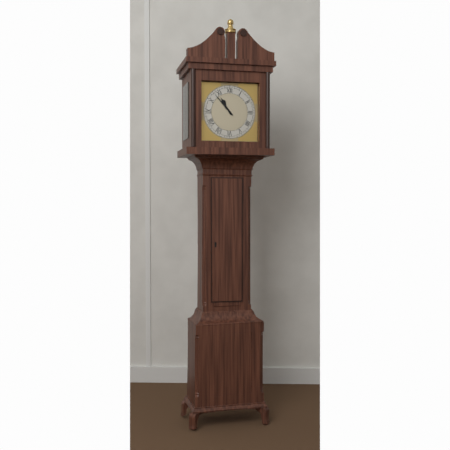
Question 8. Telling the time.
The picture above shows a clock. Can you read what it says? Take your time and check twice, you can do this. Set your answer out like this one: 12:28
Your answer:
10:53
